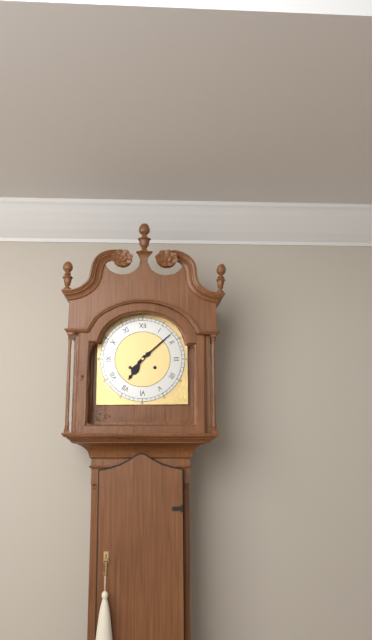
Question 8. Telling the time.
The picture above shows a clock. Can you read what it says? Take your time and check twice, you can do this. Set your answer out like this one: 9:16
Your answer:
7:08
